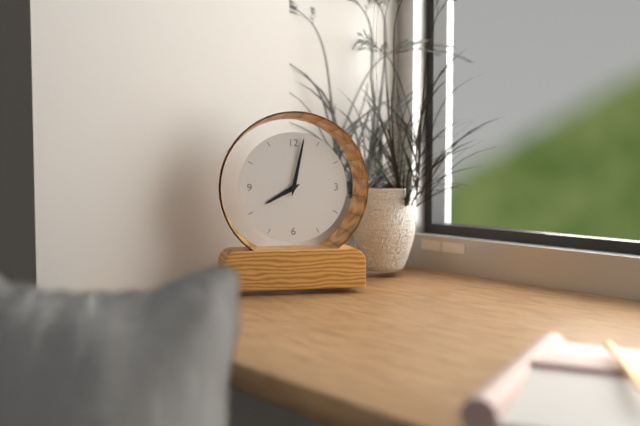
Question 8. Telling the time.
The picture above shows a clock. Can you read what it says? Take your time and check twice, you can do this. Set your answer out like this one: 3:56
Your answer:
8:02
